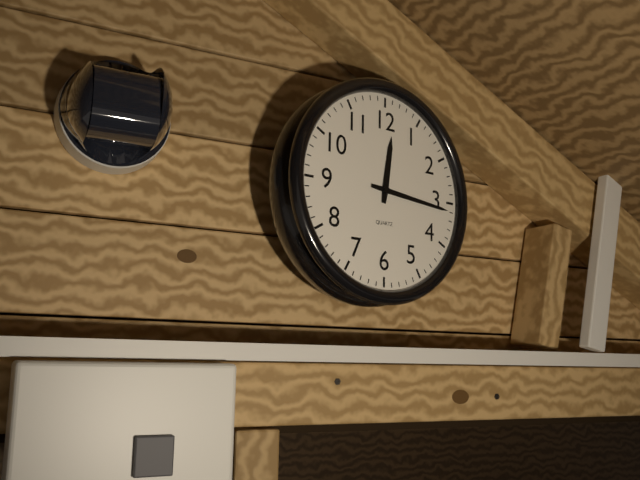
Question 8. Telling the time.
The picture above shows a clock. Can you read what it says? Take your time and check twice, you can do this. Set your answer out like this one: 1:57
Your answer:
12:16
